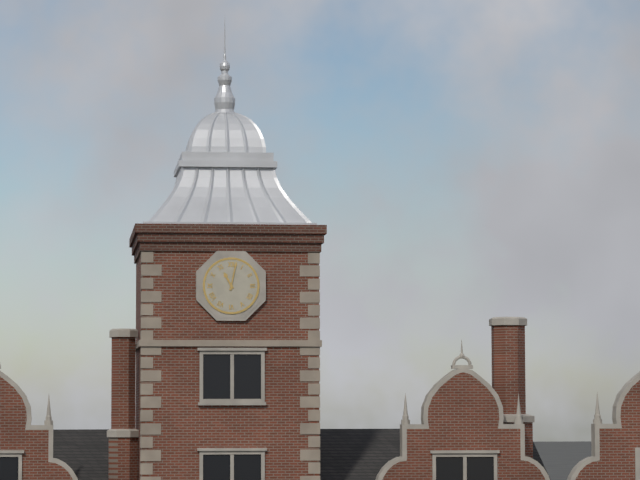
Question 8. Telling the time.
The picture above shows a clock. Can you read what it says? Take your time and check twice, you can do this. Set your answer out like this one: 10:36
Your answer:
11:02
